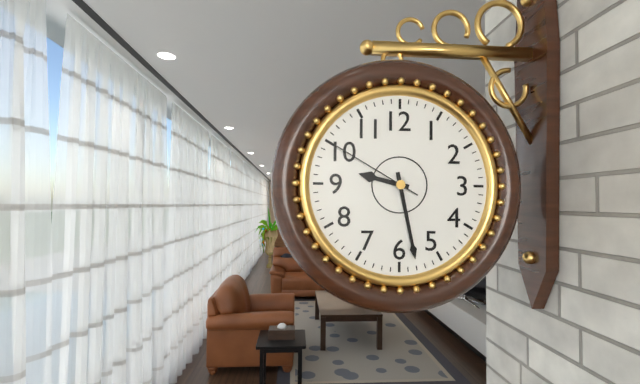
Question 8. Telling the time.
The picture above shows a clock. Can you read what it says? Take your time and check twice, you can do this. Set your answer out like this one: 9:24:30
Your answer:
9:28:50
